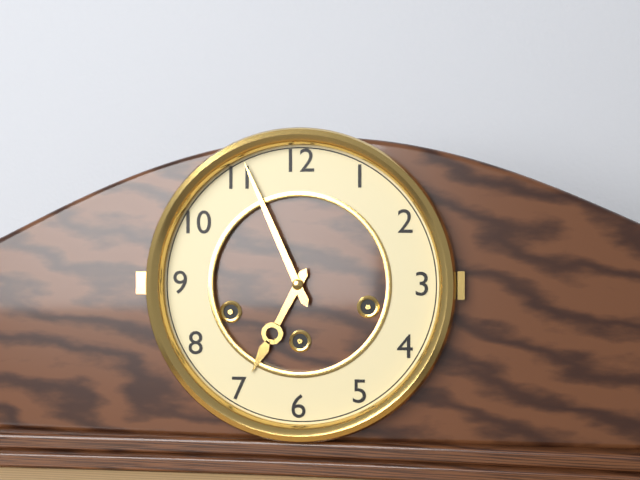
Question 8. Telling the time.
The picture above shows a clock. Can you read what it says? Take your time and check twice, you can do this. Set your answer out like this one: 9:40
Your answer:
6:56
